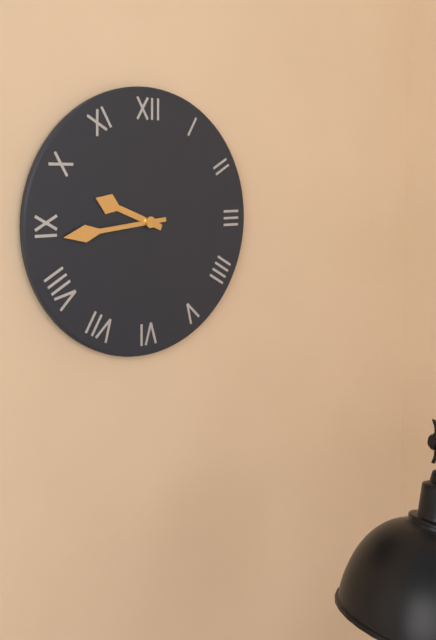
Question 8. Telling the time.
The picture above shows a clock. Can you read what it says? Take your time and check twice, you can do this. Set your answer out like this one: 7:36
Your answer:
9:44
